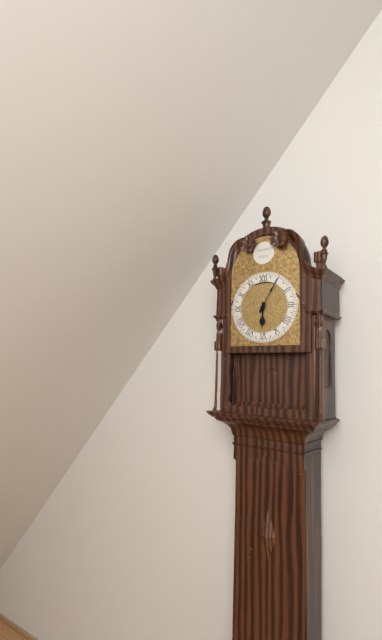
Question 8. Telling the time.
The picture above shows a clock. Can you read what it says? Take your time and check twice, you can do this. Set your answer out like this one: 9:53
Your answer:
6:05
